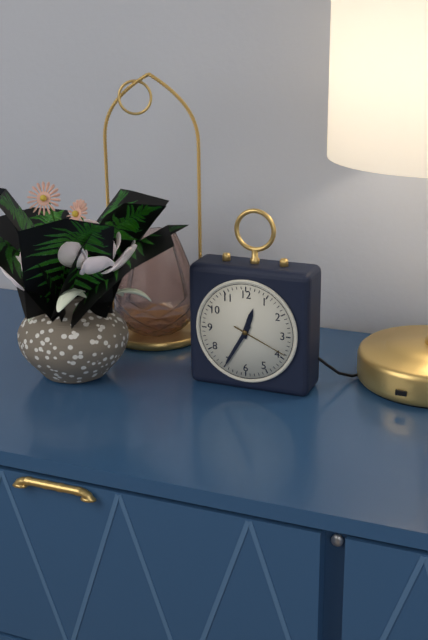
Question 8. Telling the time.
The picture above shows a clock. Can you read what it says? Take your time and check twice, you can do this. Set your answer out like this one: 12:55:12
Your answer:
12:35:19
